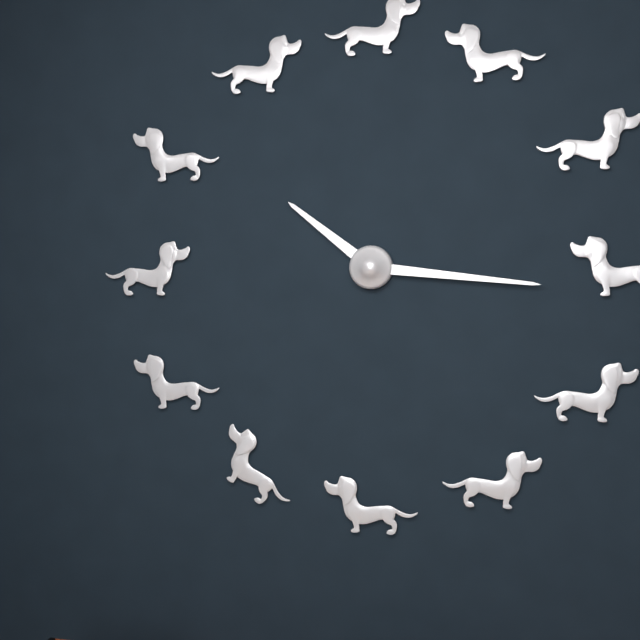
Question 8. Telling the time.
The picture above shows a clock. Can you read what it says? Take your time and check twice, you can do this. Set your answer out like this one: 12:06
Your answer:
10:16
